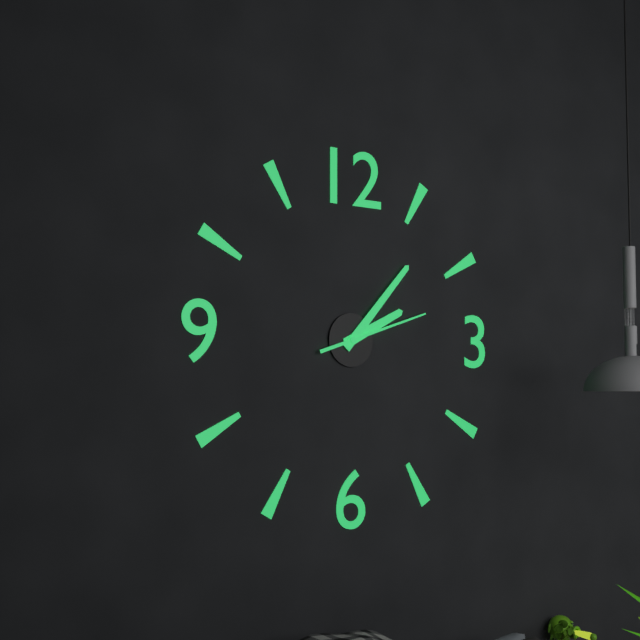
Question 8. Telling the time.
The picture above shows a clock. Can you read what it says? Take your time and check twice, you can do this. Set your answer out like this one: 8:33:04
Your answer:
2:07:12
